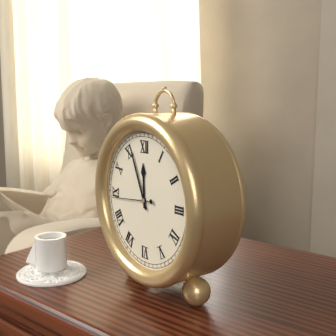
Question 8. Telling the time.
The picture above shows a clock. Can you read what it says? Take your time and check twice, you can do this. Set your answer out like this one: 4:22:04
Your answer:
11:56:44
